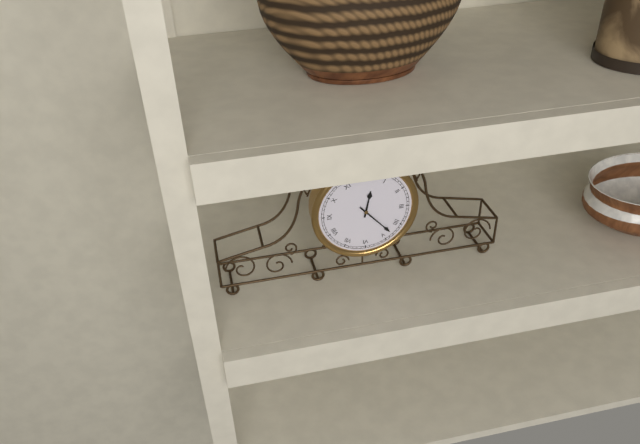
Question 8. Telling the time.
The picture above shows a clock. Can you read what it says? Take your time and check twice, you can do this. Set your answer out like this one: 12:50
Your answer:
12:23
